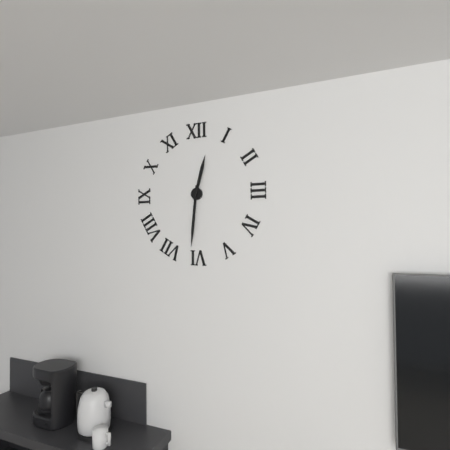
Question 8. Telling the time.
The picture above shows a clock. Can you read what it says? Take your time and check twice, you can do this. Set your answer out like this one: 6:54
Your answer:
12:31
